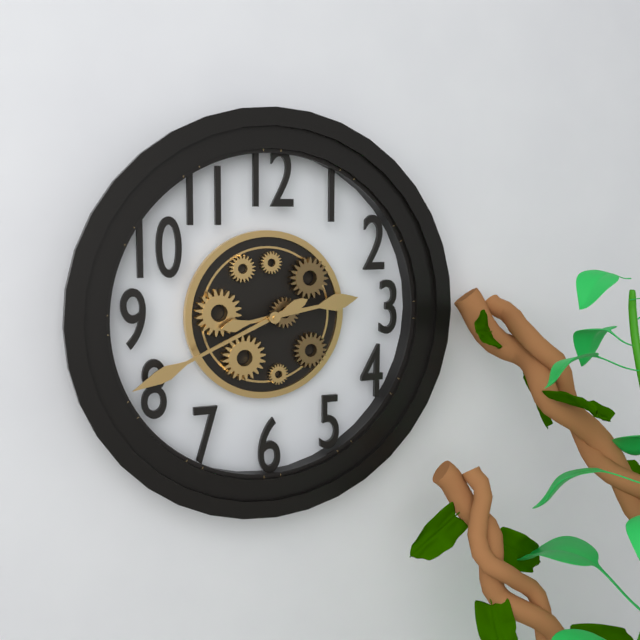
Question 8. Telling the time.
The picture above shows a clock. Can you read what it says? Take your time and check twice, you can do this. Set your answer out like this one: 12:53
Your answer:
2:41
